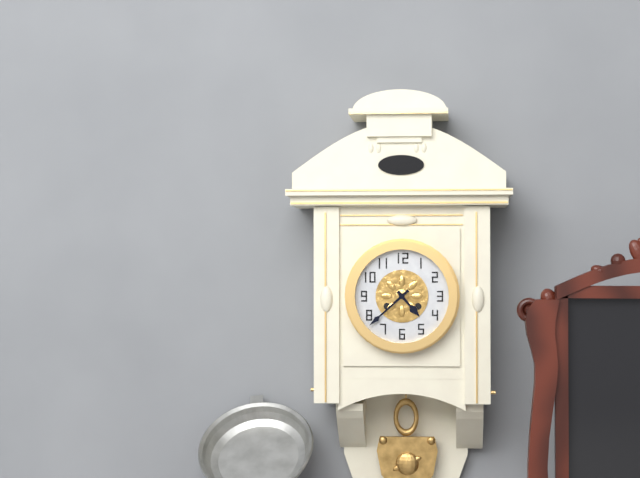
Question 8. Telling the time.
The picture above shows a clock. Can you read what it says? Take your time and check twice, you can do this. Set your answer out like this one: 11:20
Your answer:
4:38
